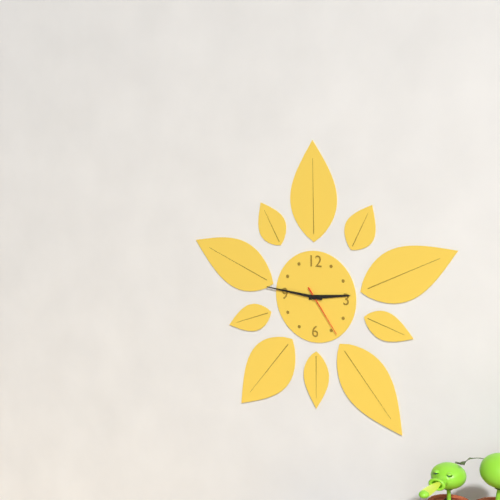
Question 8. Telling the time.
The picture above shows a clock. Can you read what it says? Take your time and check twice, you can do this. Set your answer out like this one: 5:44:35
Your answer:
2:46:24
